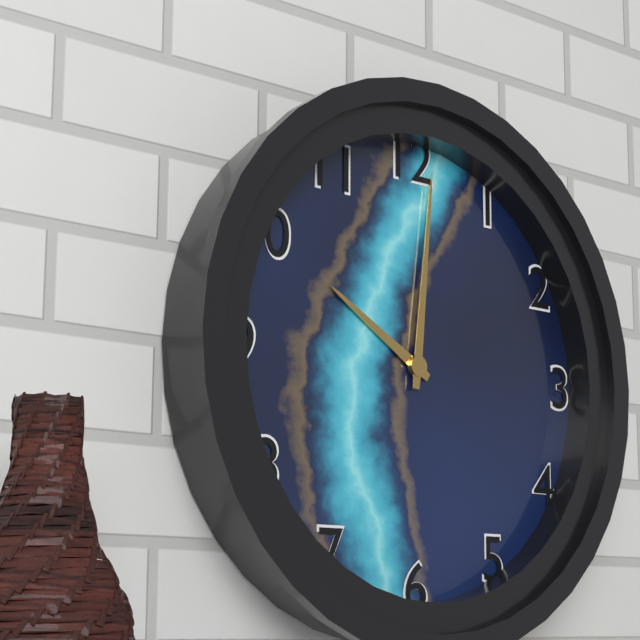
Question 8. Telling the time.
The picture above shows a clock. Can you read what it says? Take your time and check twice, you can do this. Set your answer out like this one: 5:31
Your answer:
10:01
